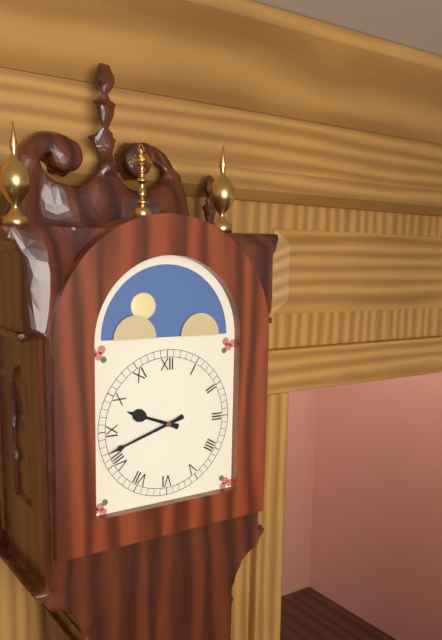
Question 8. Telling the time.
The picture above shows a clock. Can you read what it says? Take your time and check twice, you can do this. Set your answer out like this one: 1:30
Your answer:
9:42
